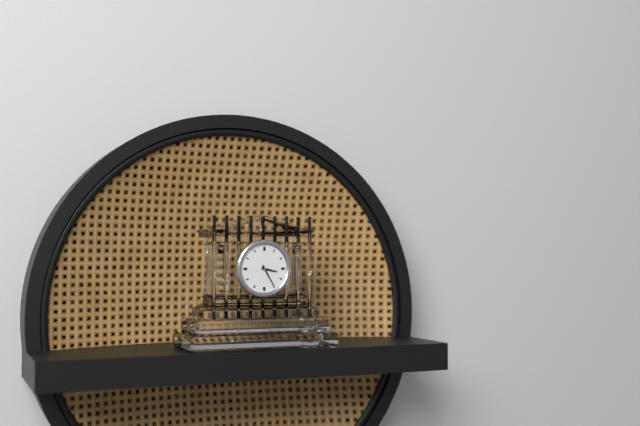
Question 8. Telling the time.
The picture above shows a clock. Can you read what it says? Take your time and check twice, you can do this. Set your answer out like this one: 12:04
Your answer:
3:25
